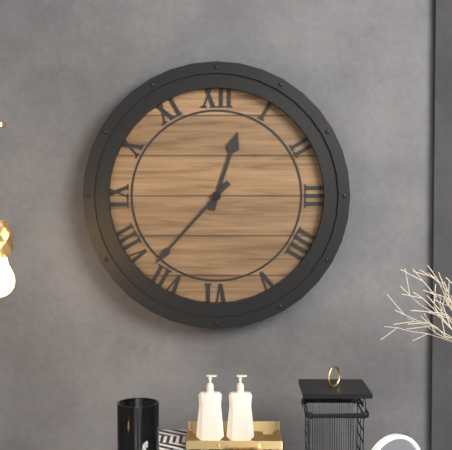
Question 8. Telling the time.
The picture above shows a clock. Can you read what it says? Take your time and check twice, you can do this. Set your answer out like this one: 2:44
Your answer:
12:37
